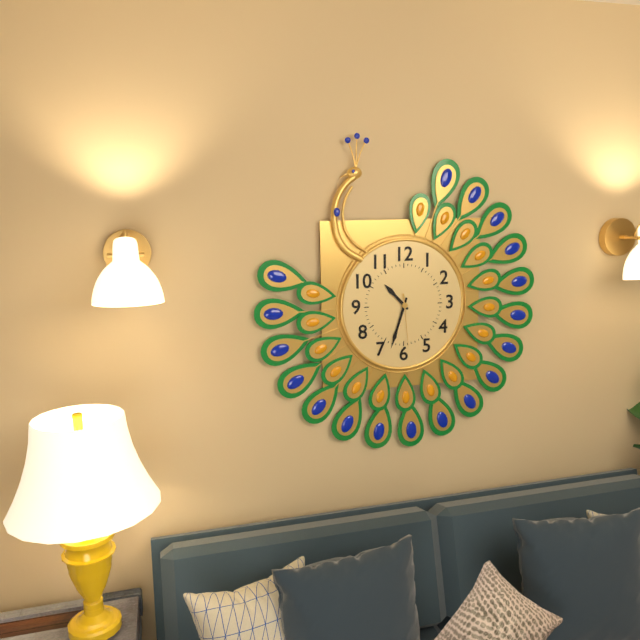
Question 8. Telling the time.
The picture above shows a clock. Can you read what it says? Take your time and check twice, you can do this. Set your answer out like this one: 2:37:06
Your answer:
10:33:29
